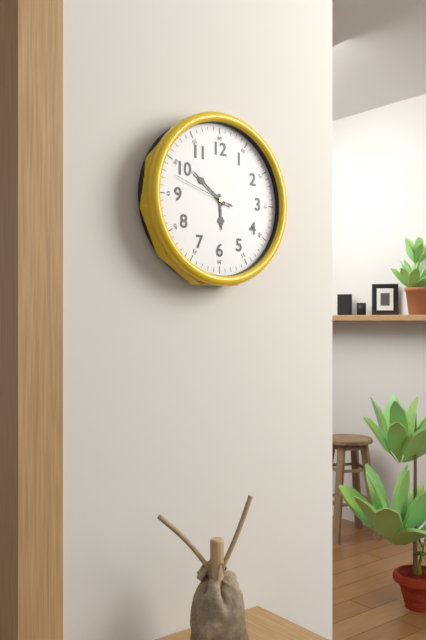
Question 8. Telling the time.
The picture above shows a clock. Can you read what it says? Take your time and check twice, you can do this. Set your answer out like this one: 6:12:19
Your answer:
5:51:48
